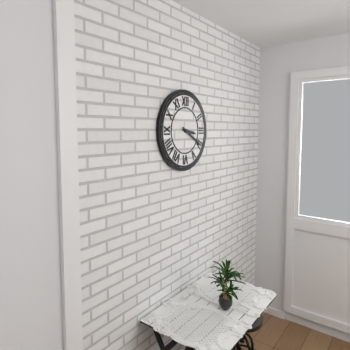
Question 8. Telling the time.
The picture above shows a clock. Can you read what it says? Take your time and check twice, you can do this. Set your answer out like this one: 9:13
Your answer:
3:20
